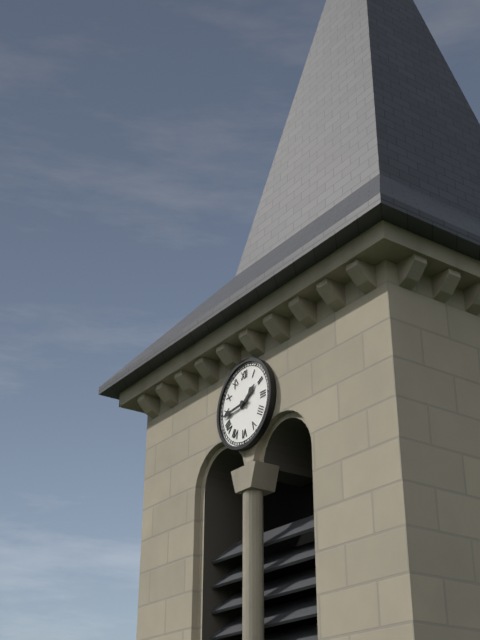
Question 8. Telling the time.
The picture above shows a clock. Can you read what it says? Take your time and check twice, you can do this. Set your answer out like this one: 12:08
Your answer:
1:44
